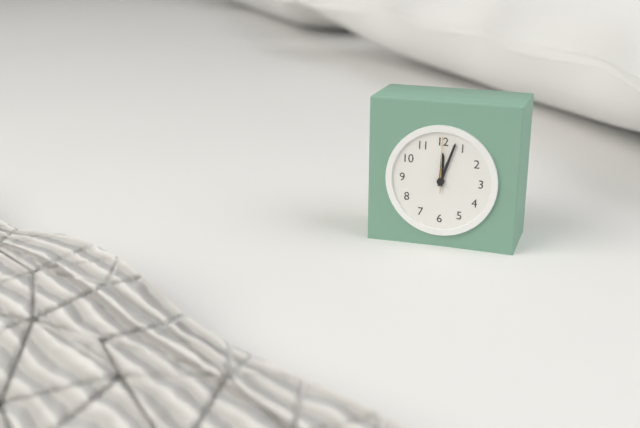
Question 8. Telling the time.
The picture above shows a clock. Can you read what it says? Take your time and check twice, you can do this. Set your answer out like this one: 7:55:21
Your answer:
12:03:00
